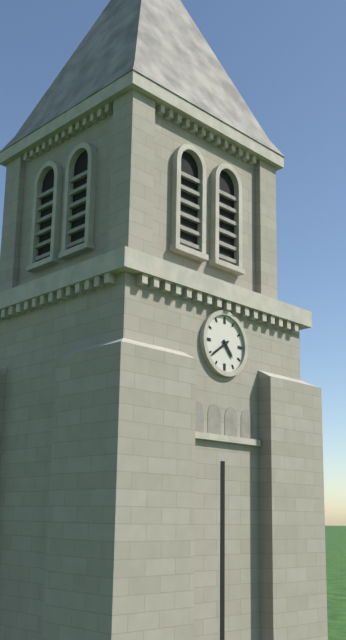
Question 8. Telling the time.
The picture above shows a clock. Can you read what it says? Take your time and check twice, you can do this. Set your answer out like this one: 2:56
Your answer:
4:39
